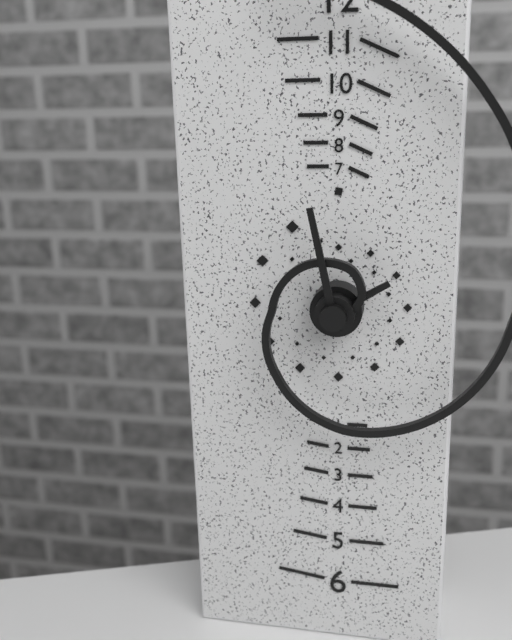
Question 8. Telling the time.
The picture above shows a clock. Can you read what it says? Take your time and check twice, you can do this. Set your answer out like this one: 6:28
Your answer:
1:58
